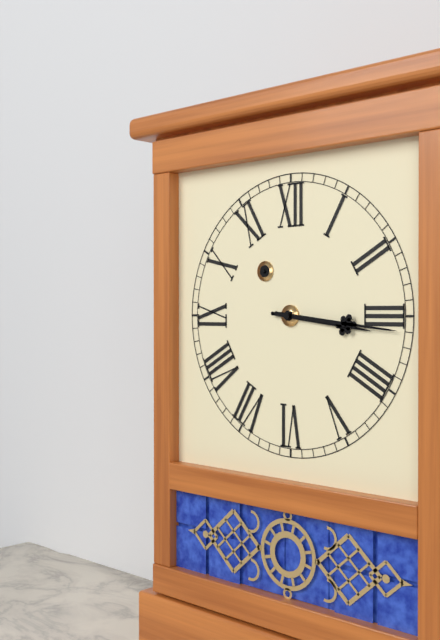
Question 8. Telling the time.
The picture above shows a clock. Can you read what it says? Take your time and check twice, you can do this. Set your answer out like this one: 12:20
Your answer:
3:16
